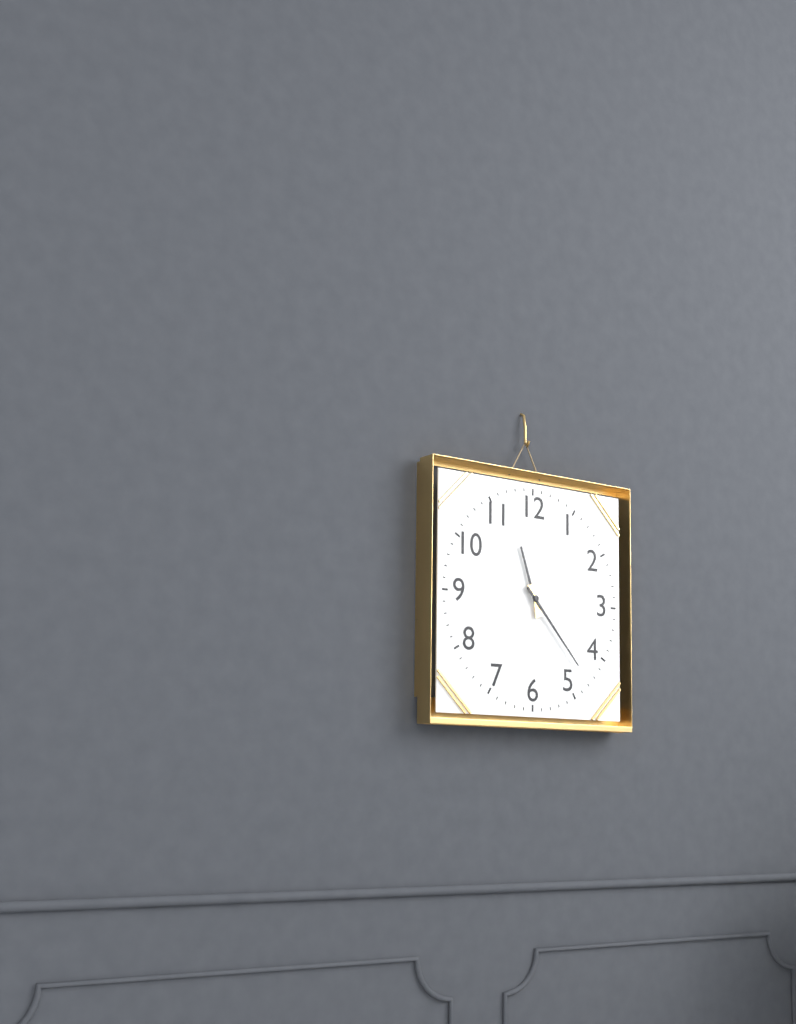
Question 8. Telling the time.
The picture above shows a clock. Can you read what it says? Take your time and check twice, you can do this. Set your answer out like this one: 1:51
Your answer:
11:23
